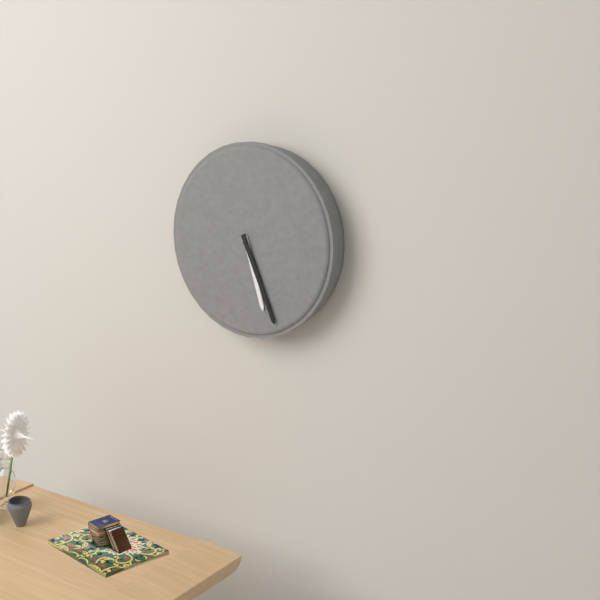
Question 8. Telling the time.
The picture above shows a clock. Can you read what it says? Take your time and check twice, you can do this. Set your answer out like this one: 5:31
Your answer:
5:26
